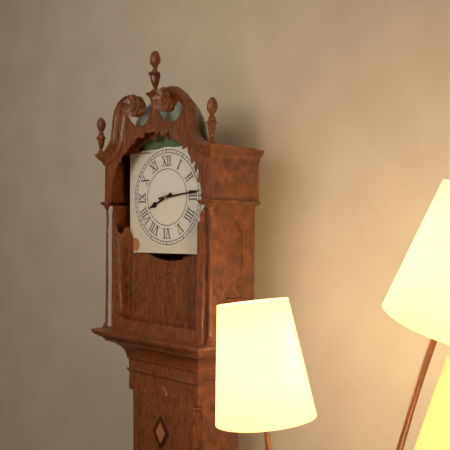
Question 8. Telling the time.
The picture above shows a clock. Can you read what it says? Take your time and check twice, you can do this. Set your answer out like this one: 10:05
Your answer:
8:14
